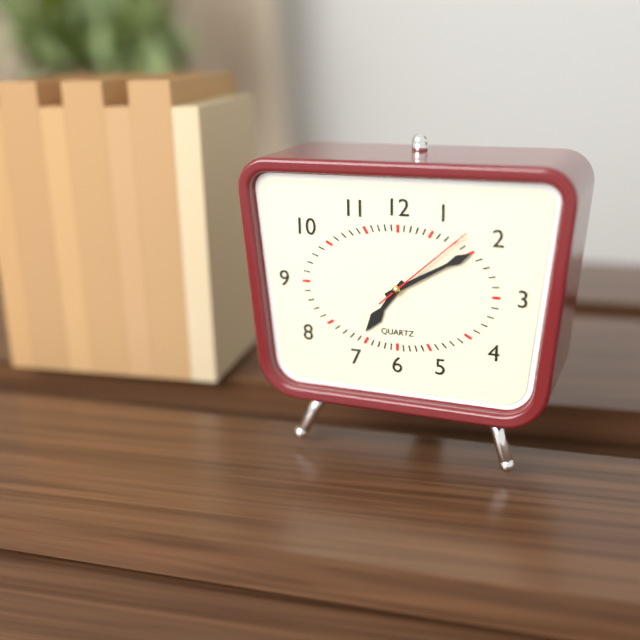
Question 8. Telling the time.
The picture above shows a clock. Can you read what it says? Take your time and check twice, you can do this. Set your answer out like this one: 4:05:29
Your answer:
7:10:08
